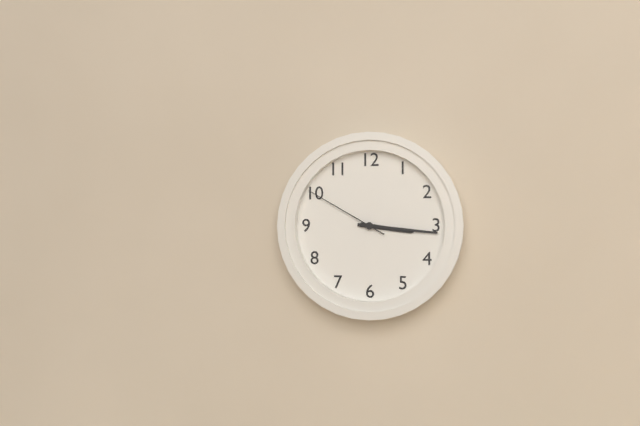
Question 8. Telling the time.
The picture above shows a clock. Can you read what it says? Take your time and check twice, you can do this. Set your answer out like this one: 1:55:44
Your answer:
3:16:50
